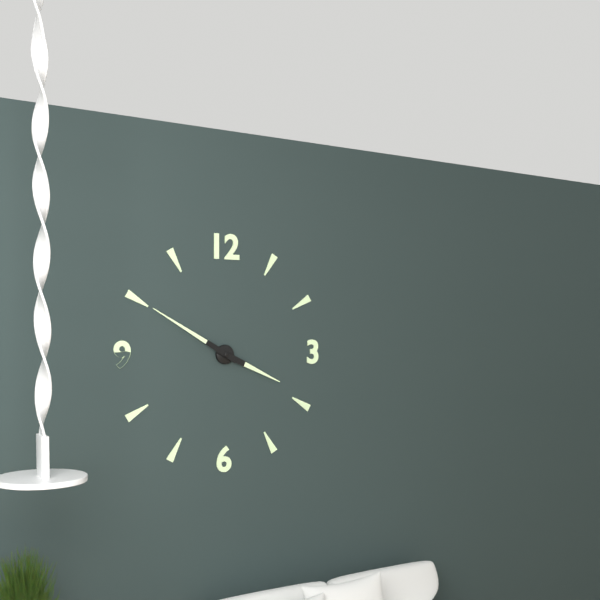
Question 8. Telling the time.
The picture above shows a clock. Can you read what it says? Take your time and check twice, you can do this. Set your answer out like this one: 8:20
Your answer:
3:50
